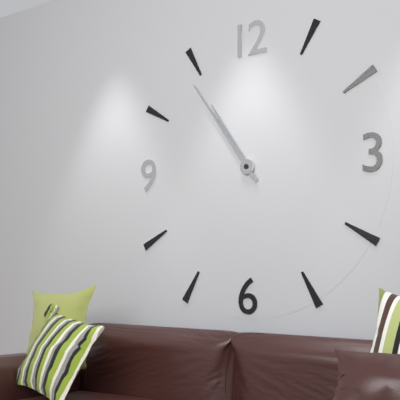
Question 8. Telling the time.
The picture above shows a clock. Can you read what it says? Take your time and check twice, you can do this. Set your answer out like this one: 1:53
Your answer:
10:54
